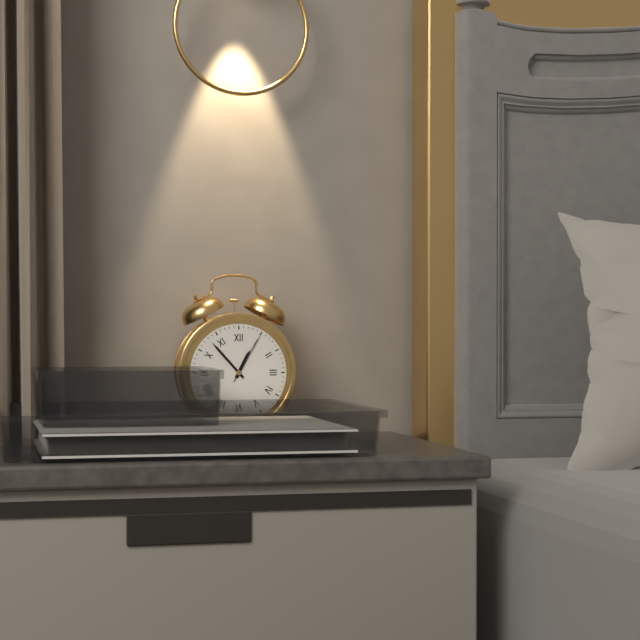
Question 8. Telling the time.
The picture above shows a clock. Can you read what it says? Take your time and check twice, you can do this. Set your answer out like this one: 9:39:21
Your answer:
12:53:05
